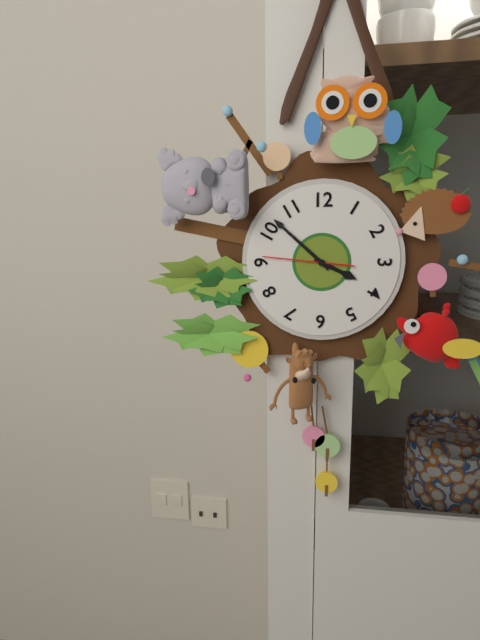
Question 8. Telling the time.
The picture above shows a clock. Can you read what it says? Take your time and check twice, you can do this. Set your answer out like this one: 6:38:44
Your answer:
3:52:46
